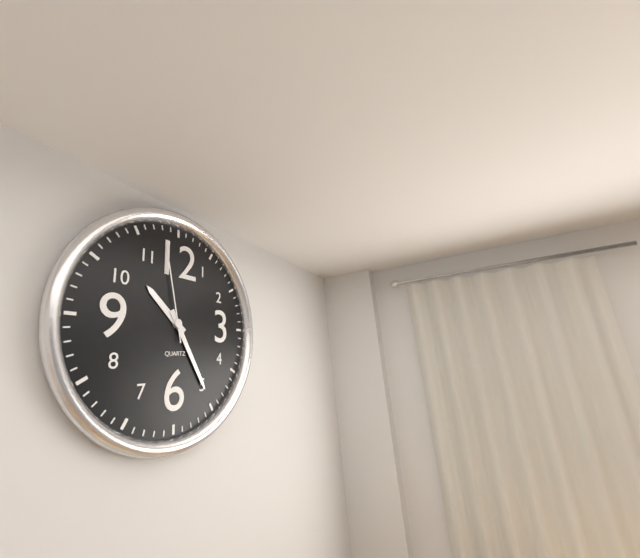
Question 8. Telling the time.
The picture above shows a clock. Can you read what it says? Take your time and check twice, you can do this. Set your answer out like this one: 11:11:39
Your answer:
10:25:58
